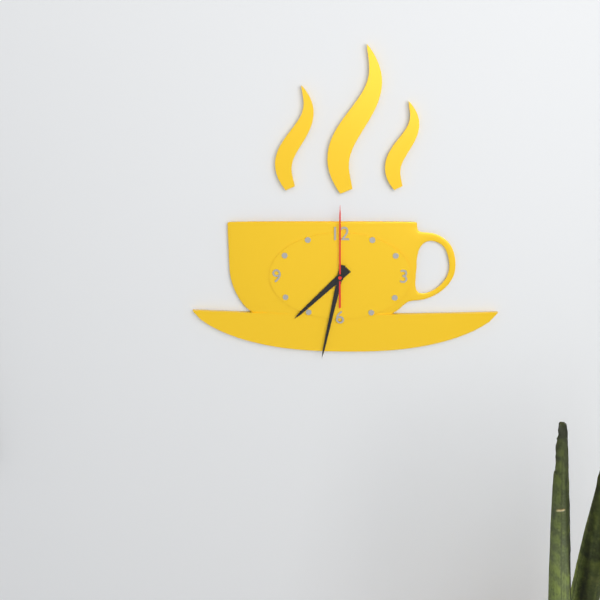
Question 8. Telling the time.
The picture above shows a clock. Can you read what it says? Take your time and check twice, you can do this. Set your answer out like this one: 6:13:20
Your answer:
7:32:00
